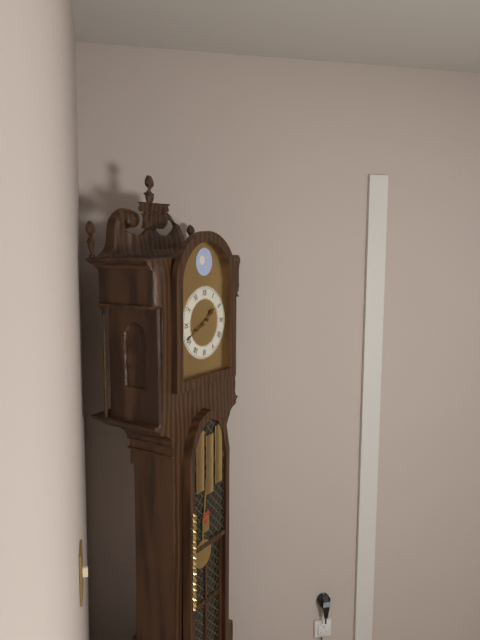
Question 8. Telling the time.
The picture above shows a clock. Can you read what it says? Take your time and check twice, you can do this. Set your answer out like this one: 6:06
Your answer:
1:41
